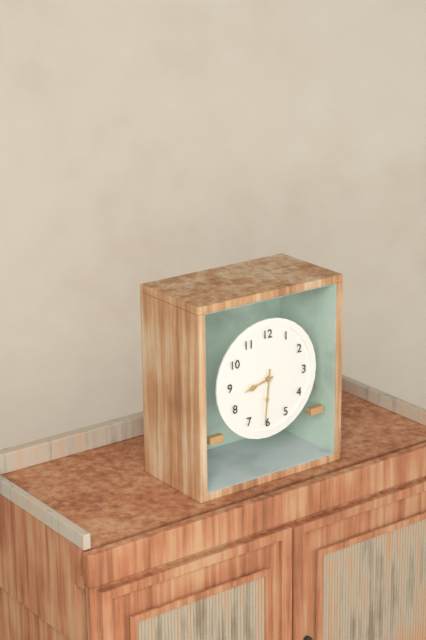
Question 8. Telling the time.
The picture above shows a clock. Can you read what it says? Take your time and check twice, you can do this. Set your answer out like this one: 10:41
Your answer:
8:31
